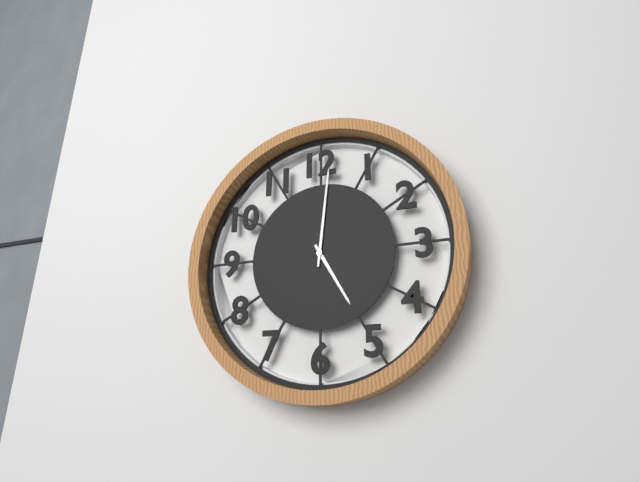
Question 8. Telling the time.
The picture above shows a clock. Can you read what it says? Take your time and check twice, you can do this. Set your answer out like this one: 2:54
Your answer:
5:01
